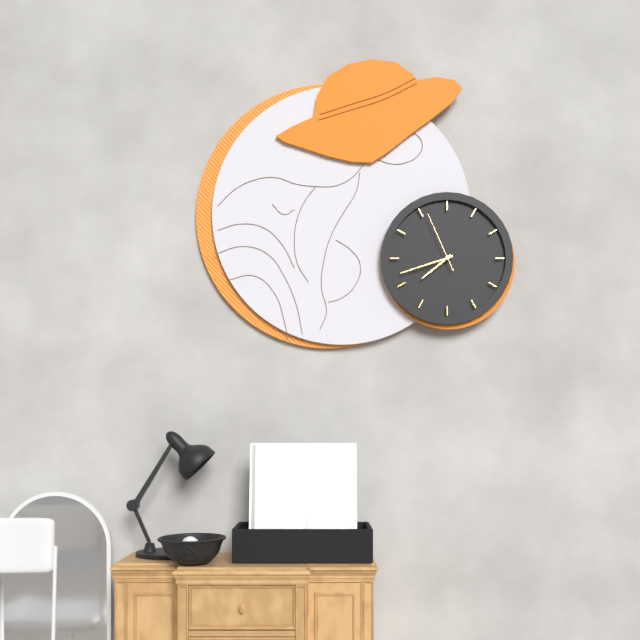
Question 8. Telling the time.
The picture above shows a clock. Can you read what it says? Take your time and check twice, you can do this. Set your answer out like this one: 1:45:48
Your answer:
7:42:56
